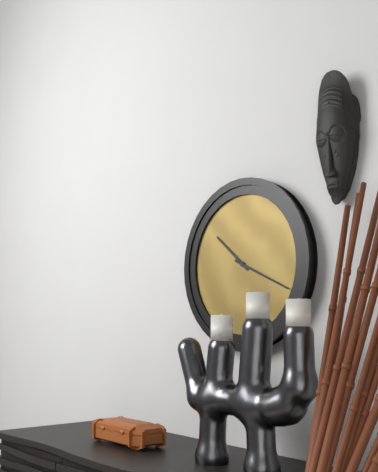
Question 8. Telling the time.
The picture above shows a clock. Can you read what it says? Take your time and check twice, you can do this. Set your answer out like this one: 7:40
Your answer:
10:19
